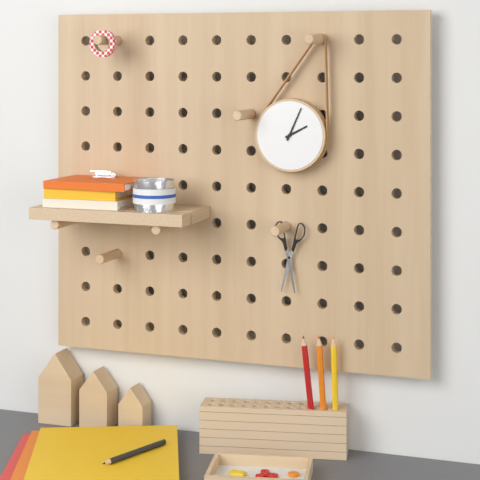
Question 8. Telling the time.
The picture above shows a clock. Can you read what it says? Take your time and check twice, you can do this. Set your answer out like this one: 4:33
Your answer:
2:04
